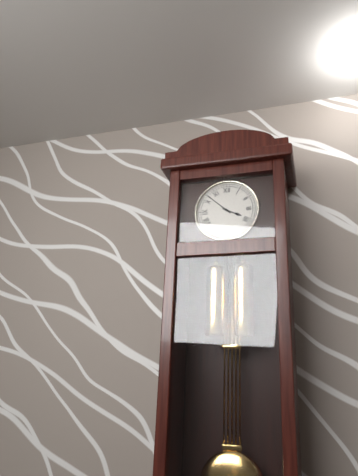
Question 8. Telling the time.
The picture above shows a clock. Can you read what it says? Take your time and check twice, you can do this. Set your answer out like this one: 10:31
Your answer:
3:52
